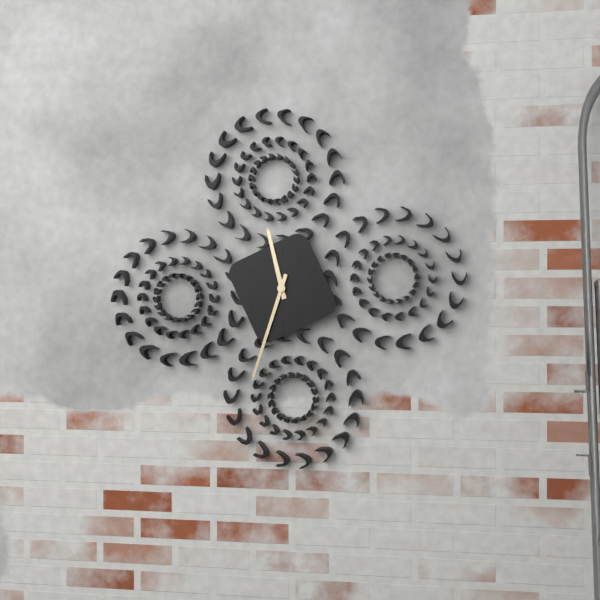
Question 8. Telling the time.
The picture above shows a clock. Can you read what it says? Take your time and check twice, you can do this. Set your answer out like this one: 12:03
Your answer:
11:33
